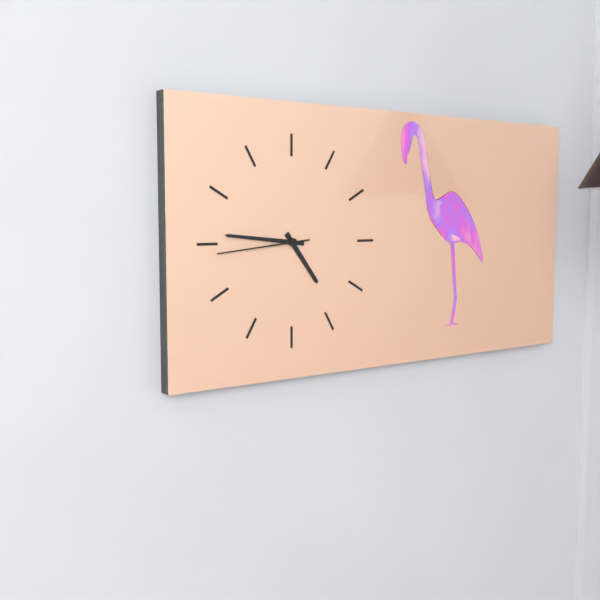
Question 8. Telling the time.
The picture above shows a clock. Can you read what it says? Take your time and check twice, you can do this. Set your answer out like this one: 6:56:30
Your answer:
4:46:44
